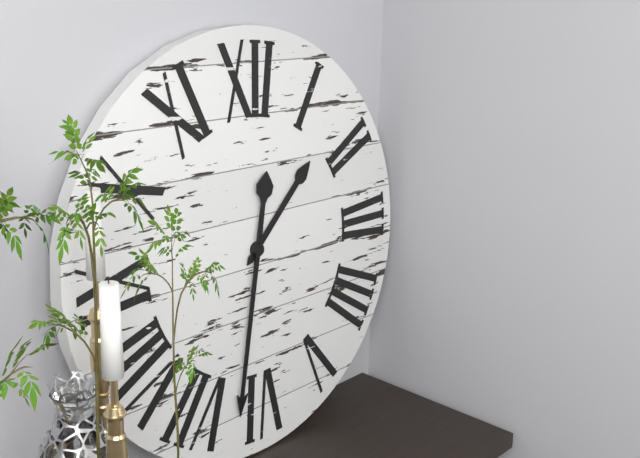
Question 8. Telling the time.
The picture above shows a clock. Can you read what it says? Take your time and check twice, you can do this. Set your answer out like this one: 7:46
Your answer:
1:32
